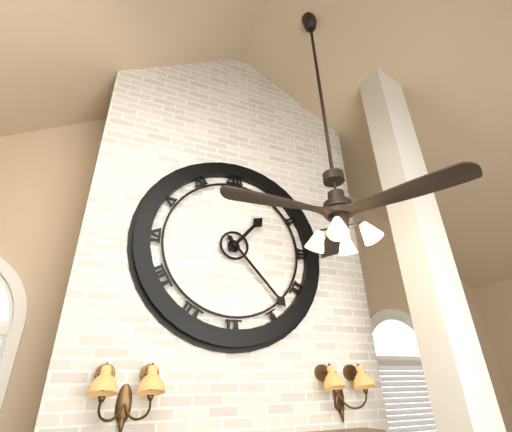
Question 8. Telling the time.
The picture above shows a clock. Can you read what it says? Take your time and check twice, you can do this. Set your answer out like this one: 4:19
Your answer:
1:23
